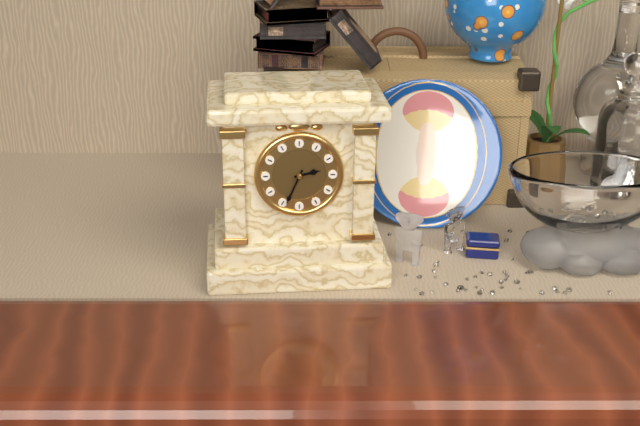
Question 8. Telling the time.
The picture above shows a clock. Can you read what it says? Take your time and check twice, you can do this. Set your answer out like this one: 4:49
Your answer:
2:34
